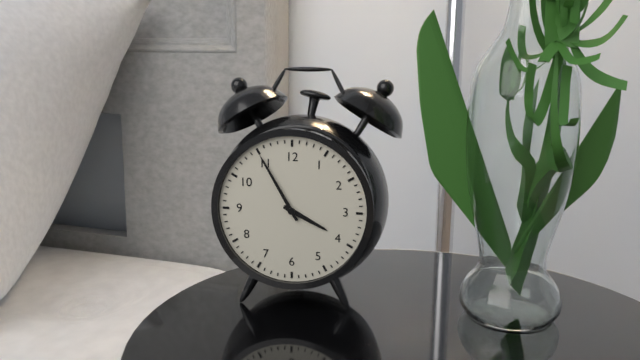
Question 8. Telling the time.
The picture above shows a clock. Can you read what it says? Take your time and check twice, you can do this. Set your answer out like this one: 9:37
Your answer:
3:55
